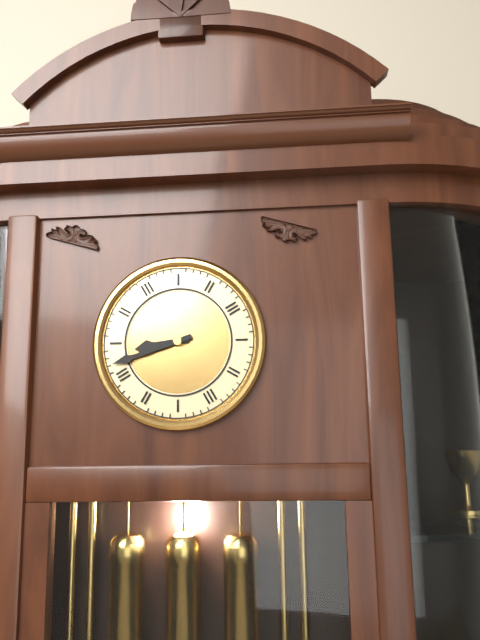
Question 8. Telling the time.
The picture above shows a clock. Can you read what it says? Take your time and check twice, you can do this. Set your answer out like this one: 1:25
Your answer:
8:42
